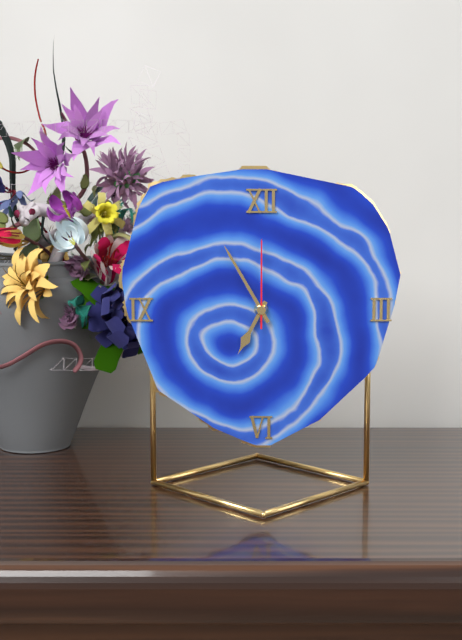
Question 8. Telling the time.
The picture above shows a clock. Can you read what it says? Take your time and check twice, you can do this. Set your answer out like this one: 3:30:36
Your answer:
6:55:00
